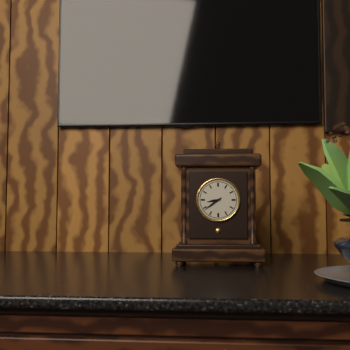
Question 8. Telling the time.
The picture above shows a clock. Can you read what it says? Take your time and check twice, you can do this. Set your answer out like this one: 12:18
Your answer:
8:39
